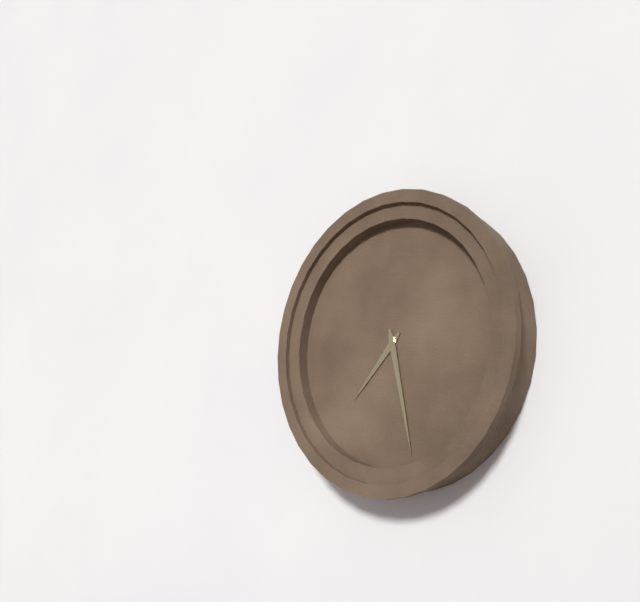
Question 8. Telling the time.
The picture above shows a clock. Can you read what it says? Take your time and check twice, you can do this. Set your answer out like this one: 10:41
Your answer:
7:28
